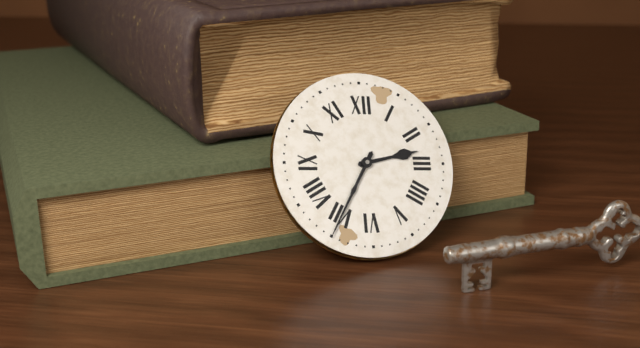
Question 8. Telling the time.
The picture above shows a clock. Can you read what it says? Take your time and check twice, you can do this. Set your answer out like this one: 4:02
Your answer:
2:35
